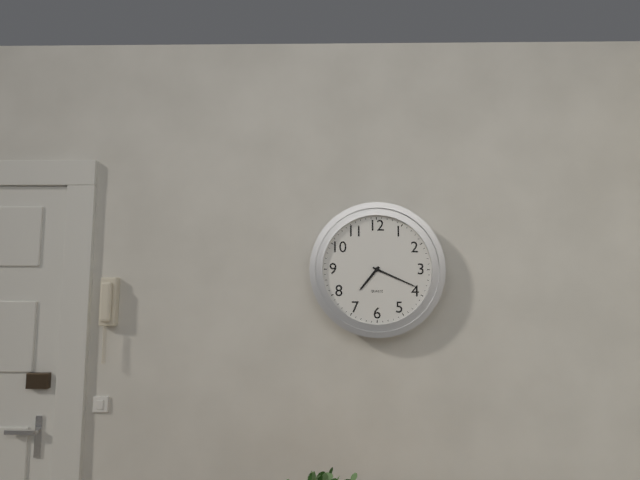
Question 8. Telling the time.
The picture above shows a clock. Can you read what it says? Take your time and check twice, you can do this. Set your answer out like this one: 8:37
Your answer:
7:19
